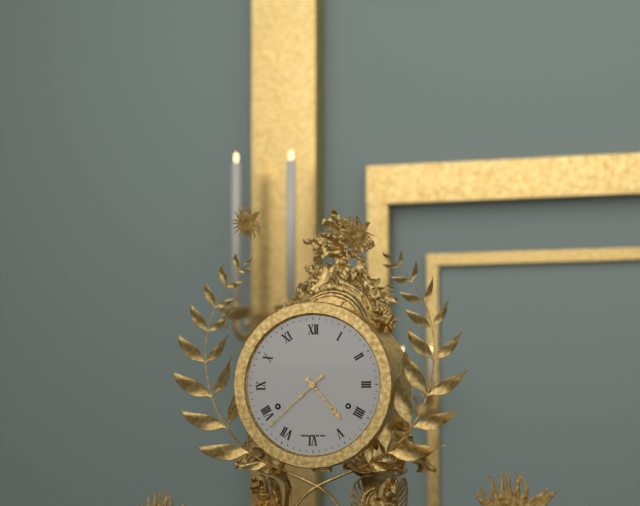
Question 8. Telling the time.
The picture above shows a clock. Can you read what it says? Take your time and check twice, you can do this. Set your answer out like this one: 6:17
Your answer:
4:38
